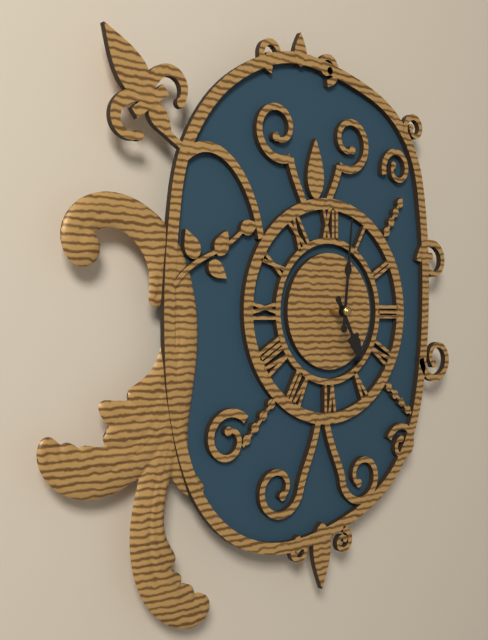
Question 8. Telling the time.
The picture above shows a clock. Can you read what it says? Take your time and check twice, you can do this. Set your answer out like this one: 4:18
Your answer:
5:01
